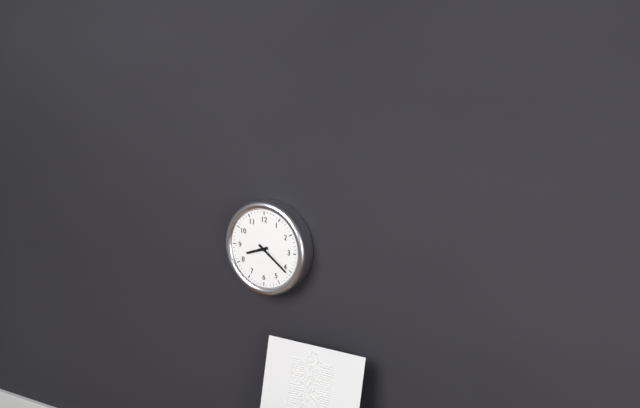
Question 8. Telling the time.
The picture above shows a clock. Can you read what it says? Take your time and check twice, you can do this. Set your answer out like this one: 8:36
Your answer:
8:21
